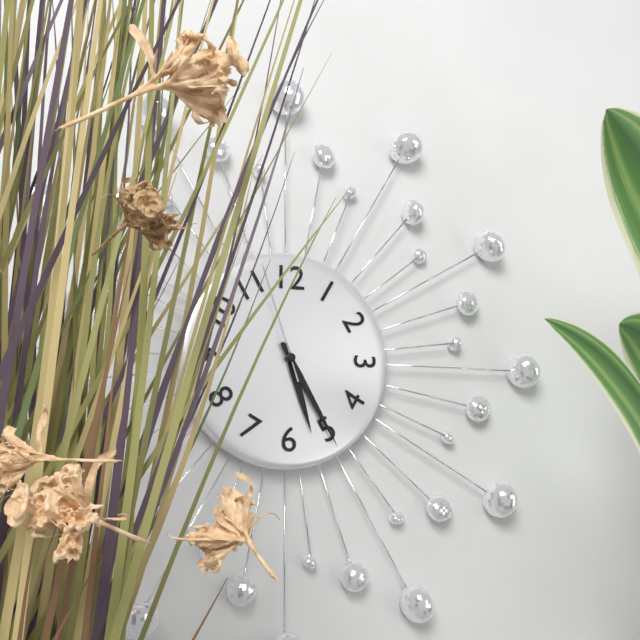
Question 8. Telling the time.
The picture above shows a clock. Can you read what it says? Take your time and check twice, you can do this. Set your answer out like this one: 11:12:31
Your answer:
5:25:57
